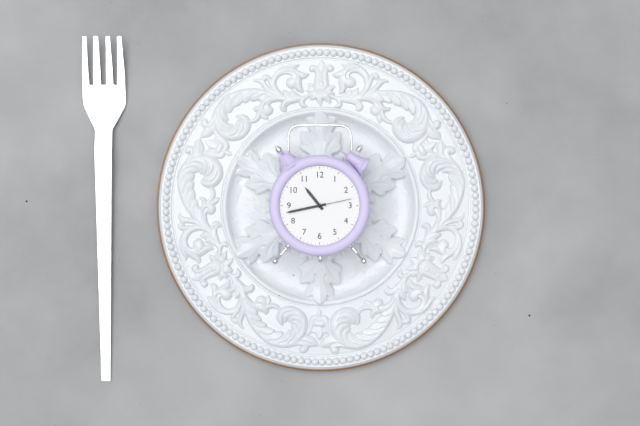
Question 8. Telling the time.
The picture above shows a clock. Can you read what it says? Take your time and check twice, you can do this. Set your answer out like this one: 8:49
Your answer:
10:43
